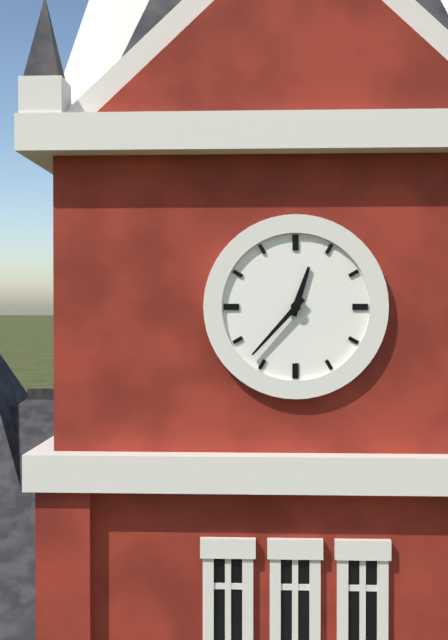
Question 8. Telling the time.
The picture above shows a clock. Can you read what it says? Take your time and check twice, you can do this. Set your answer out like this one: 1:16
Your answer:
12:37
